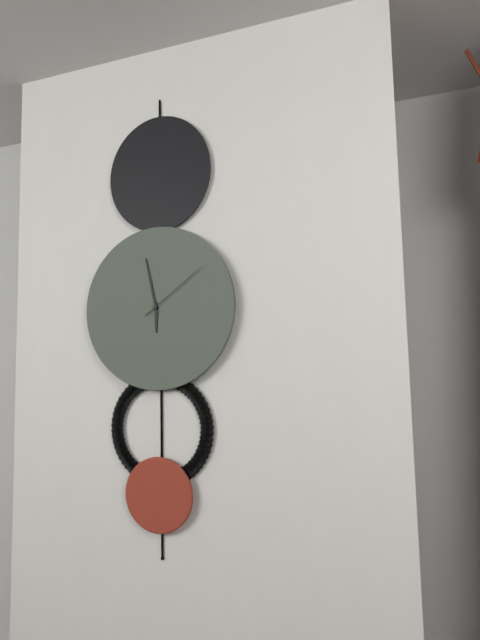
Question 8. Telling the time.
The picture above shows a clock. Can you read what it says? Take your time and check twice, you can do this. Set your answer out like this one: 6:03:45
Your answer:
5:58:09
